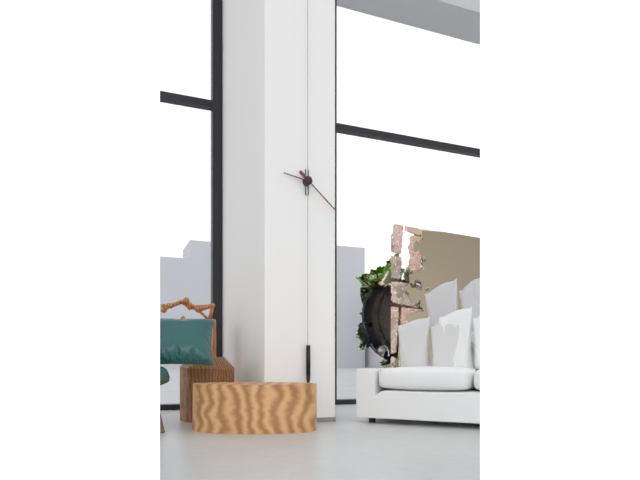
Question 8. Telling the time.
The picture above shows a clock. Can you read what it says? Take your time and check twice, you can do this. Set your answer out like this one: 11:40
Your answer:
9:22
